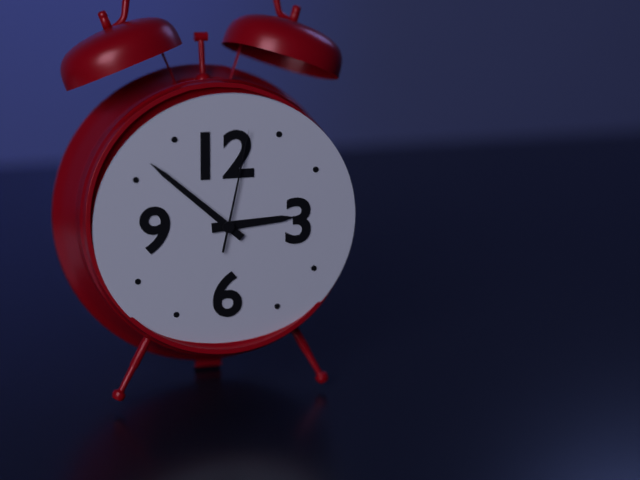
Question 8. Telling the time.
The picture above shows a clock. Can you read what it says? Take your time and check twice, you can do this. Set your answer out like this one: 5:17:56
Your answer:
2:52:02
